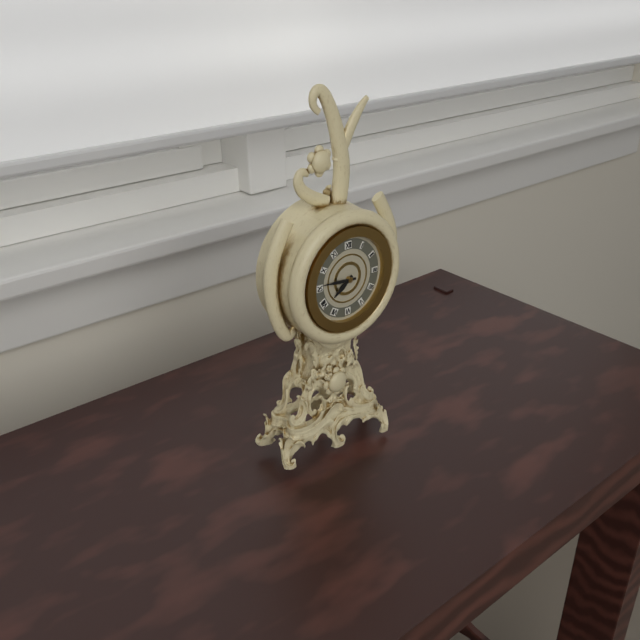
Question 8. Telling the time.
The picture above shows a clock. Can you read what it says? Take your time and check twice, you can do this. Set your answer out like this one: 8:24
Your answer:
7:46
